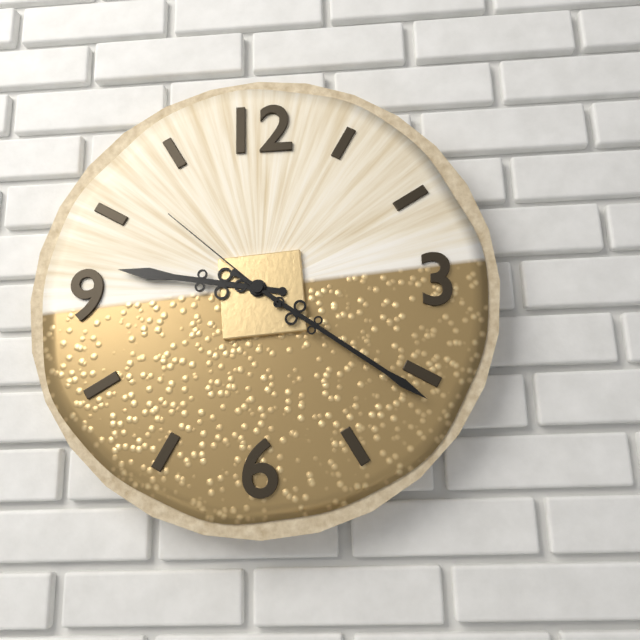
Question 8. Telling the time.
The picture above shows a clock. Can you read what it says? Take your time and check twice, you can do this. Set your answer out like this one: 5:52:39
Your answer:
9:21:52
